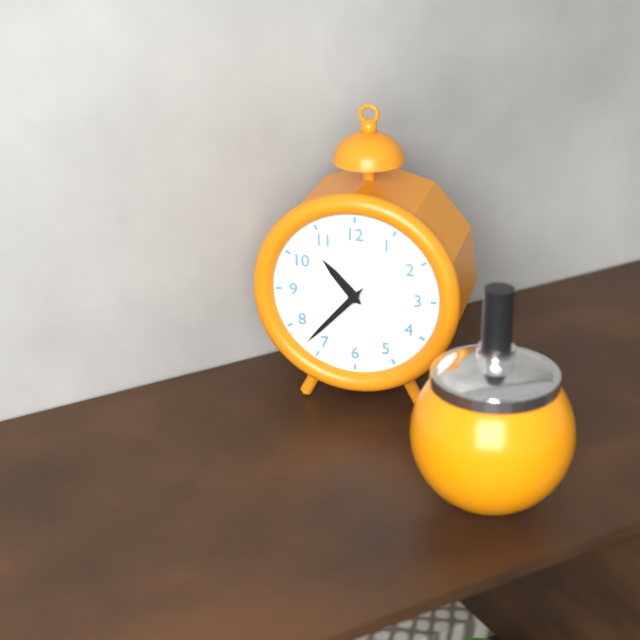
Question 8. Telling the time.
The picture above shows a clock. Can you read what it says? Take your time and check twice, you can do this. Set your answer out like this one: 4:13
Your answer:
10:37
